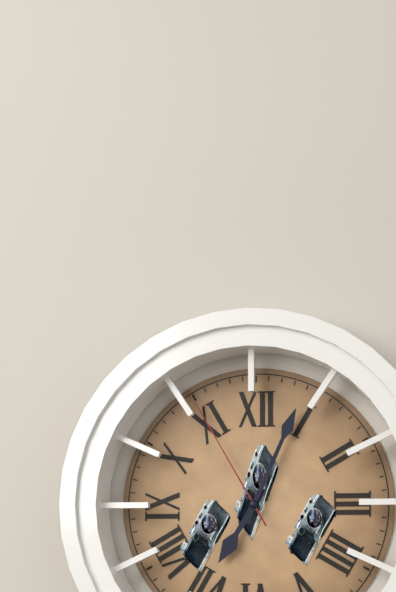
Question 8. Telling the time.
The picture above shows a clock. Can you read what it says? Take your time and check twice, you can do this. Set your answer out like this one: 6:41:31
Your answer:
7:04:55
